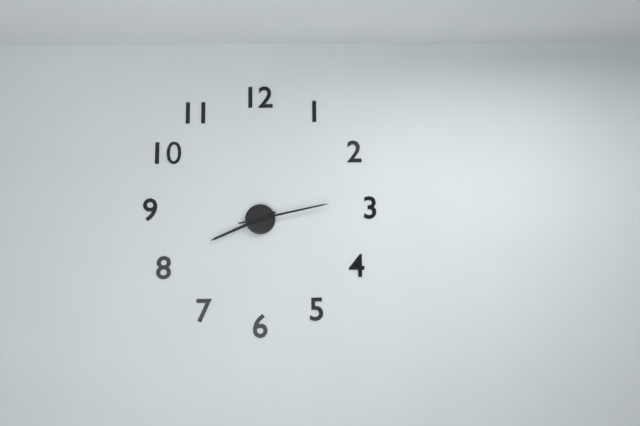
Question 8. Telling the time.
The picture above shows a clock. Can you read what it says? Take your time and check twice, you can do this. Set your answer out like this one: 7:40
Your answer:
8:13
